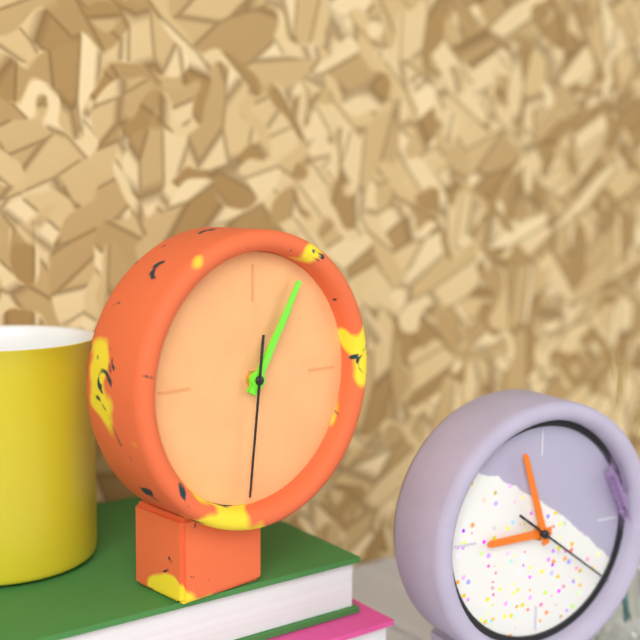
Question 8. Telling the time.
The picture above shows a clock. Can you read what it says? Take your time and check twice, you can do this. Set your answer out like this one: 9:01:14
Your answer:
1:05:31
